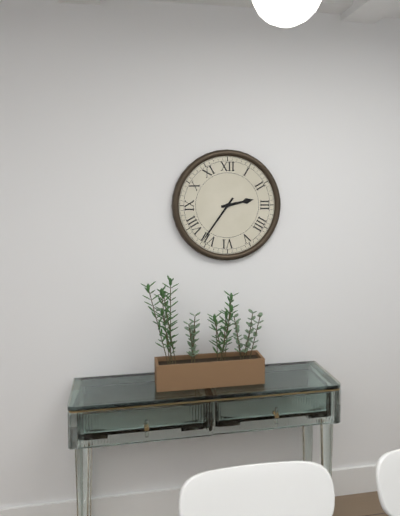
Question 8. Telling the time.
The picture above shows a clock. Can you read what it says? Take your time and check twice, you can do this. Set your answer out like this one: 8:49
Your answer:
2:36
